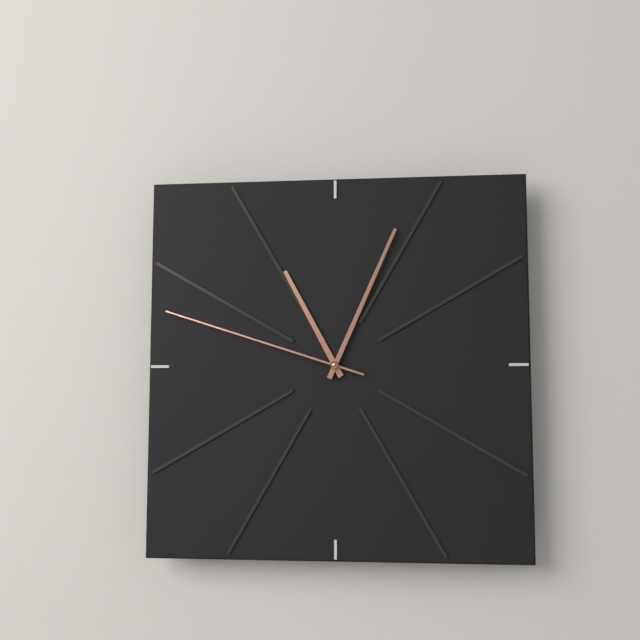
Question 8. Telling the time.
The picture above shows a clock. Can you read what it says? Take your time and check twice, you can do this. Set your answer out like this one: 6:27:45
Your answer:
11:04:48
